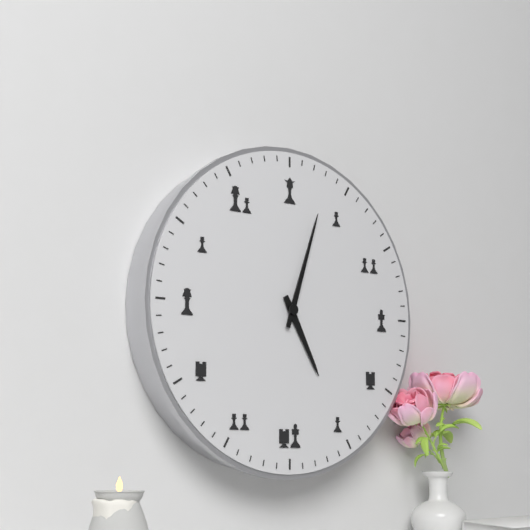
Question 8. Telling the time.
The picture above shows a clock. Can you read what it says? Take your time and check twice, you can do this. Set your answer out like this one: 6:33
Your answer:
5:03
